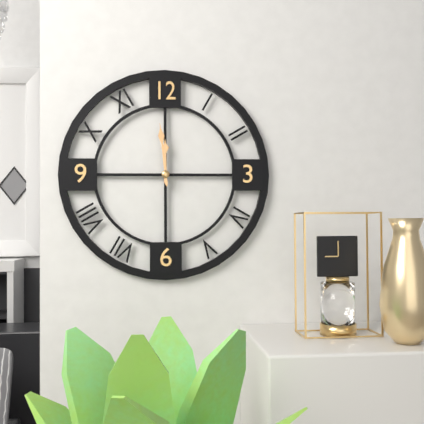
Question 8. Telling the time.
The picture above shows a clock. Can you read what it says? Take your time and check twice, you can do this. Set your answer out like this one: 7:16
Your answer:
11:59
